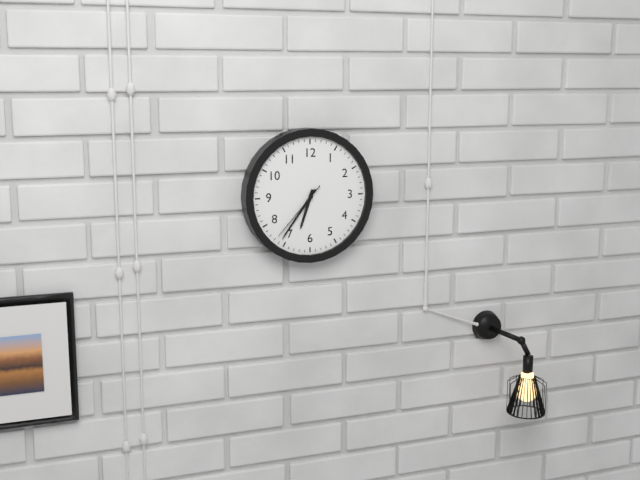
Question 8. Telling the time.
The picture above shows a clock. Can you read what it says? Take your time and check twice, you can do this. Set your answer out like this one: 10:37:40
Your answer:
6:36:37
